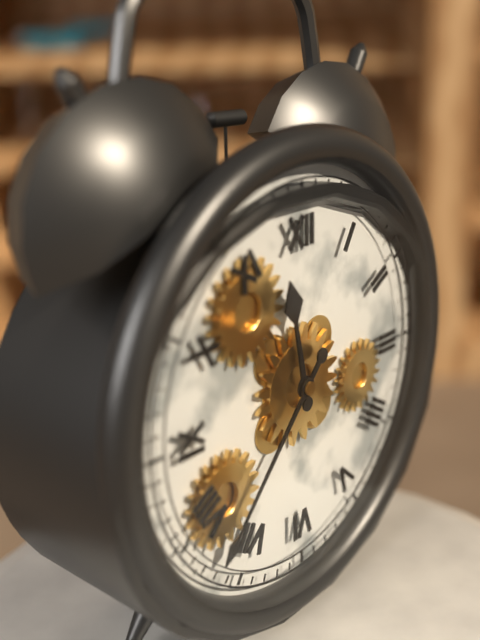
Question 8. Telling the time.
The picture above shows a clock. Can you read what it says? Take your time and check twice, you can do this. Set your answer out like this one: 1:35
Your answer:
11:37
